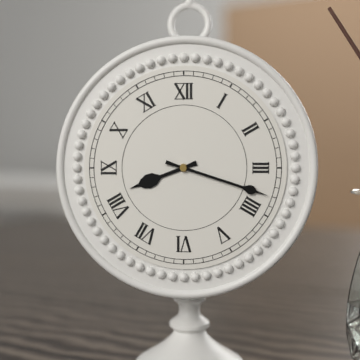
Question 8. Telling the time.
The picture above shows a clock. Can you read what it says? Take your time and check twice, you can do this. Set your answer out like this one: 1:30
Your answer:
8:18
